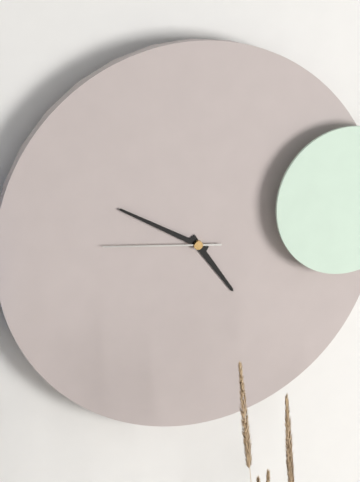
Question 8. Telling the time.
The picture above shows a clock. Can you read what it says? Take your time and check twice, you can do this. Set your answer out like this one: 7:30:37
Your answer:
4:50:46
